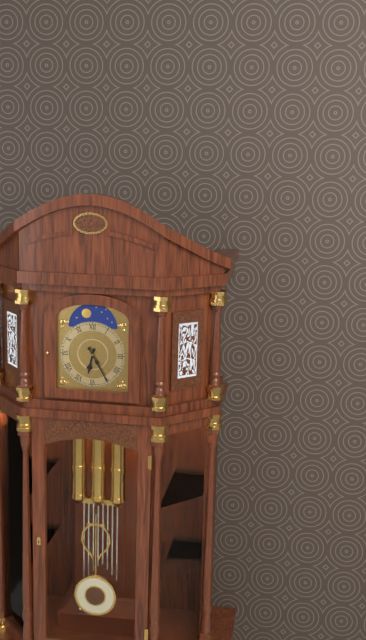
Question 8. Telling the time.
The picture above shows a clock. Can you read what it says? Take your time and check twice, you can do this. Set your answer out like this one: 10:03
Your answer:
6:25
